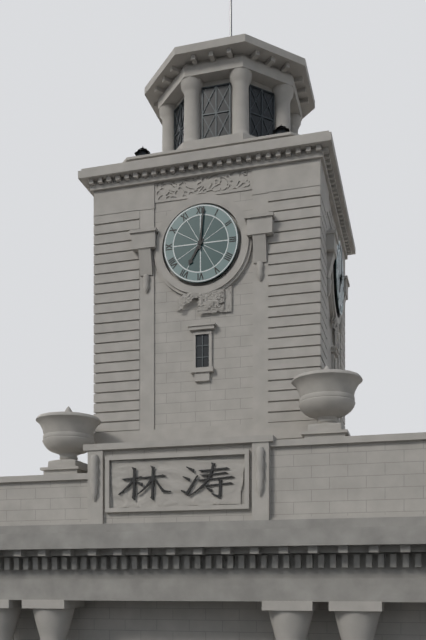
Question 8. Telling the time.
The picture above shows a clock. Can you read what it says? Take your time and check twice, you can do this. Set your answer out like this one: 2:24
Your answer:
7:01
